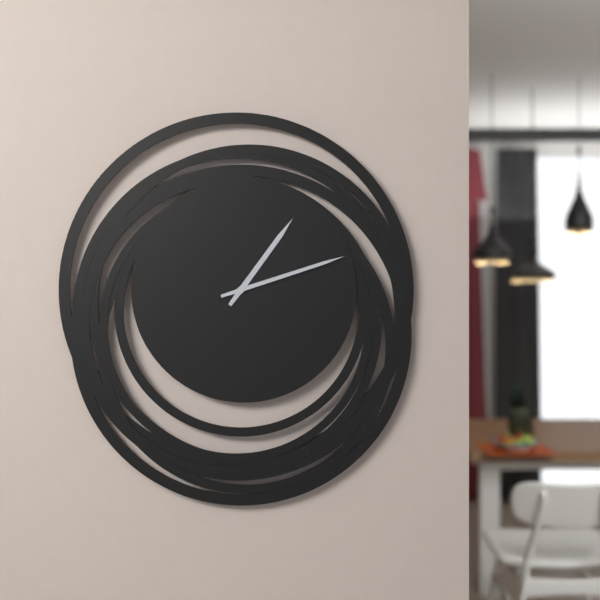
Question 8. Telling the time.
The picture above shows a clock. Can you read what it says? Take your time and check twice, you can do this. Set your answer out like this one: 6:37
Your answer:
1:12
